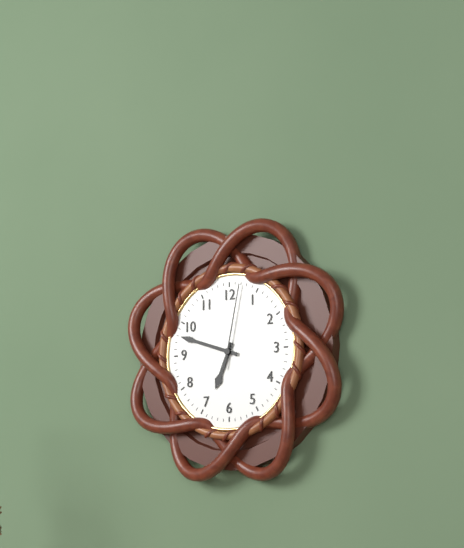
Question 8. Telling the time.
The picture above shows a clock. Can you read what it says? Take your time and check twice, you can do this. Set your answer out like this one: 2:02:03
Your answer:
6:48:02
